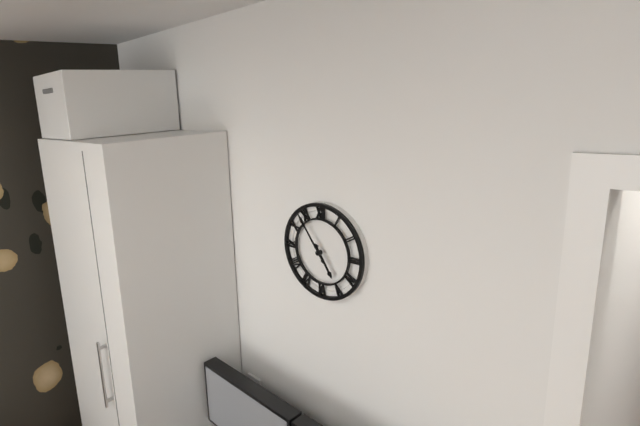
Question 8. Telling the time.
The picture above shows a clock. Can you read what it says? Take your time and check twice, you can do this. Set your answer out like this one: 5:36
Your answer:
4:54
